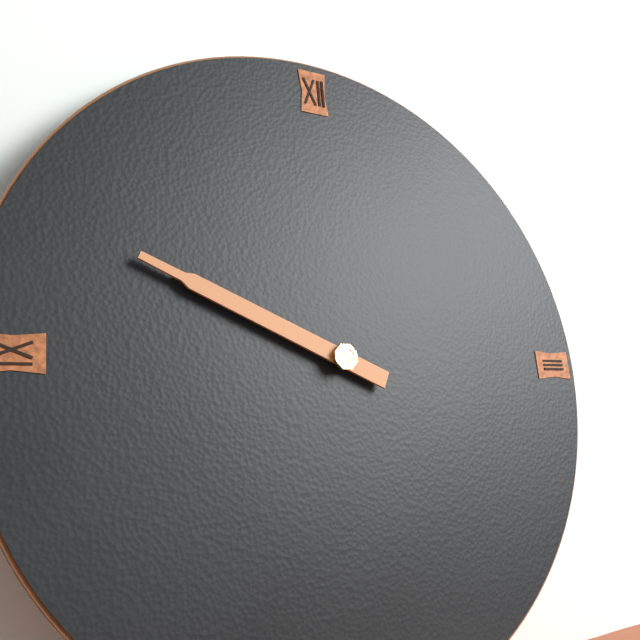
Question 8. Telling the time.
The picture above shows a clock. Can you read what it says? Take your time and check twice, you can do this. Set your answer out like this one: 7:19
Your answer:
9:49
